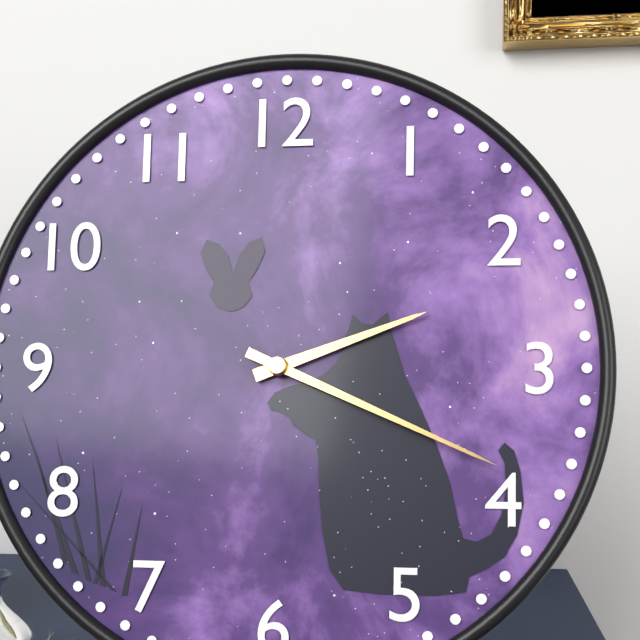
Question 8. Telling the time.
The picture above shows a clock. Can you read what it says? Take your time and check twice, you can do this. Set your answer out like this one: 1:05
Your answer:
2:19
